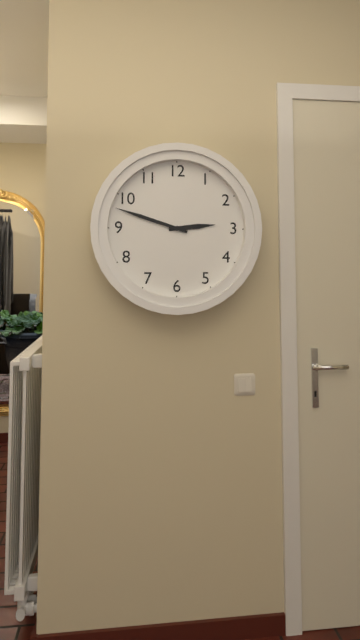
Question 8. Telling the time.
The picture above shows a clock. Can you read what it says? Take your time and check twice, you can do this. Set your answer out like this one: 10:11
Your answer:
2:48
